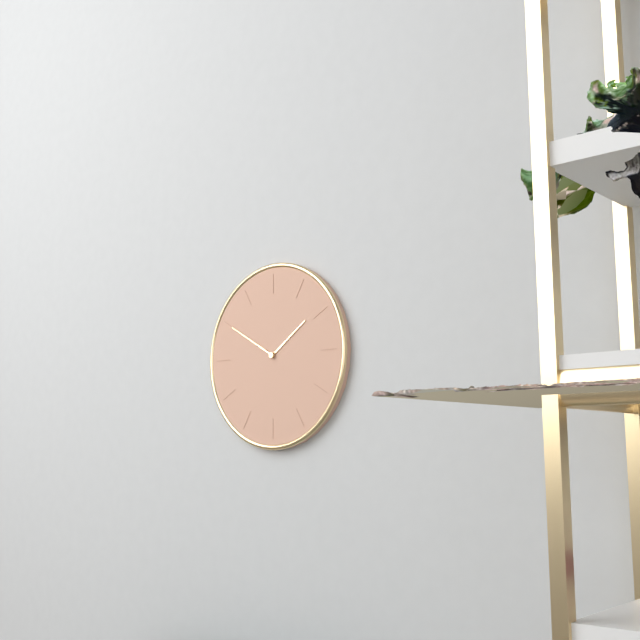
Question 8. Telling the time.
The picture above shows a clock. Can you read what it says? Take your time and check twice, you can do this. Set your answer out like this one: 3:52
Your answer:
1:50
